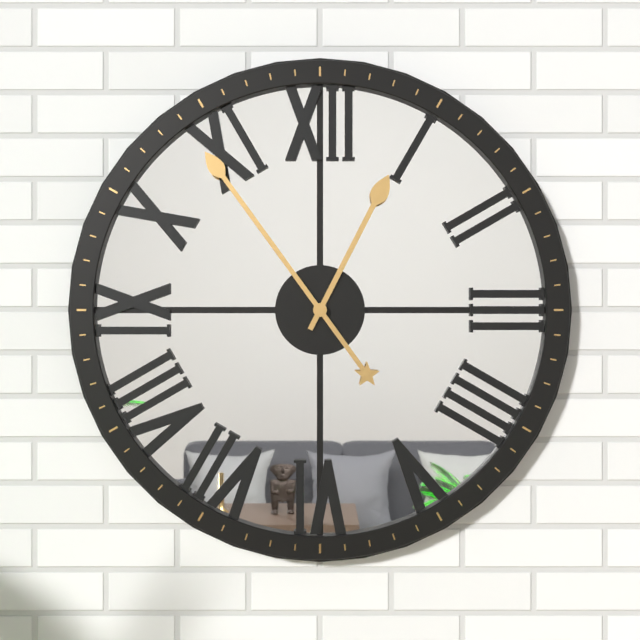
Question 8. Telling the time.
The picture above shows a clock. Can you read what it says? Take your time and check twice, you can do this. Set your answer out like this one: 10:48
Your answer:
12:54
